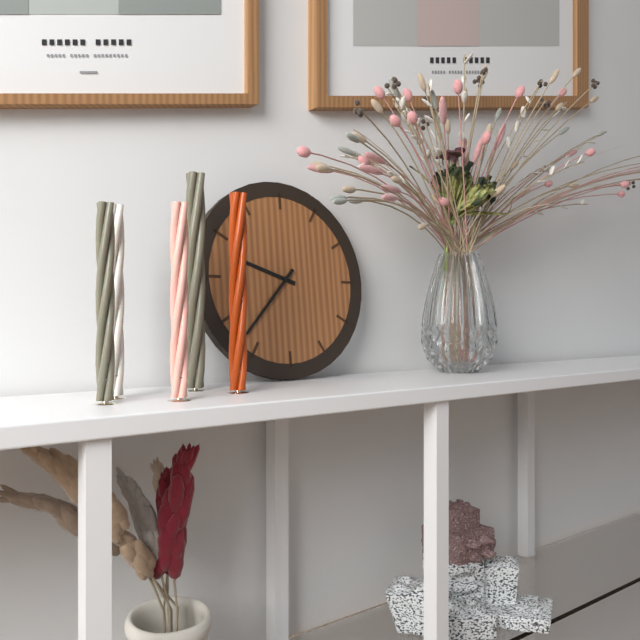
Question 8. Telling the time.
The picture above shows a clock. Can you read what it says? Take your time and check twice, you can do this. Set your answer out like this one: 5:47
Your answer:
9:37
